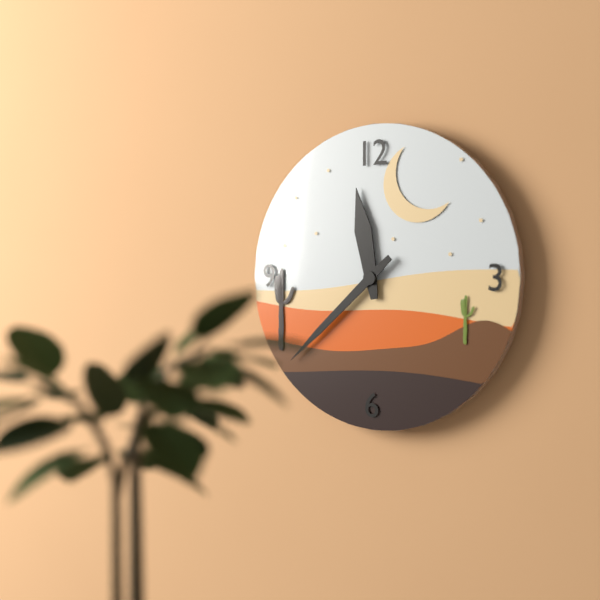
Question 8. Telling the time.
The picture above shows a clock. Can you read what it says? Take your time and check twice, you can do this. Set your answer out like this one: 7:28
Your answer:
11:38
